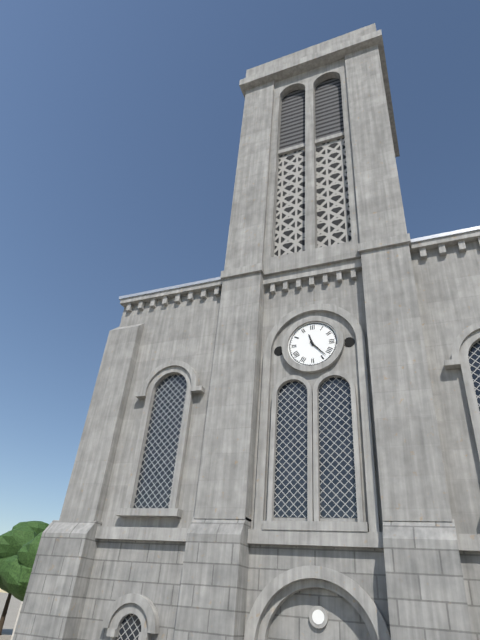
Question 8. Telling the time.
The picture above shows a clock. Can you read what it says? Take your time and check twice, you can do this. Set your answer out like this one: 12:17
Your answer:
11:23
